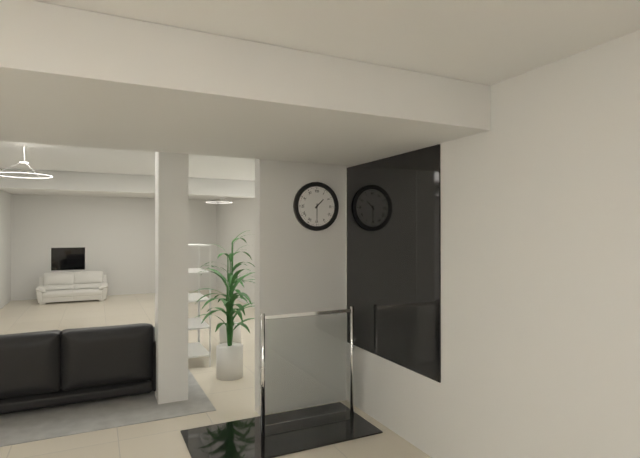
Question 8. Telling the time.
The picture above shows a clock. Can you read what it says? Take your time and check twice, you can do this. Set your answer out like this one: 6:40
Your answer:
1:30
